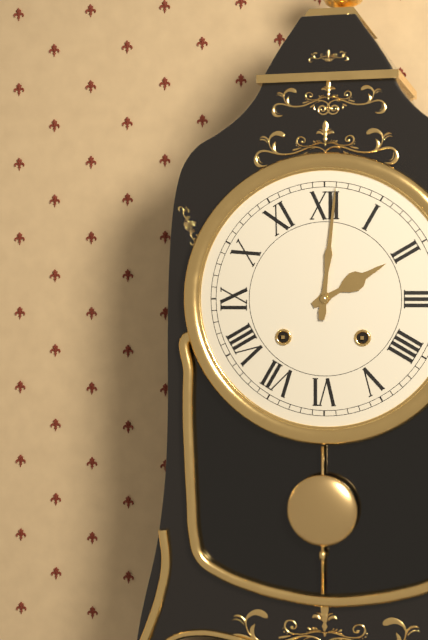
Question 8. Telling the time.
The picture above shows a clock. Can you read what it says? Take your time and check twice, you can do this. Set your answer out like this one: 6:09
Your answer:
2:01
